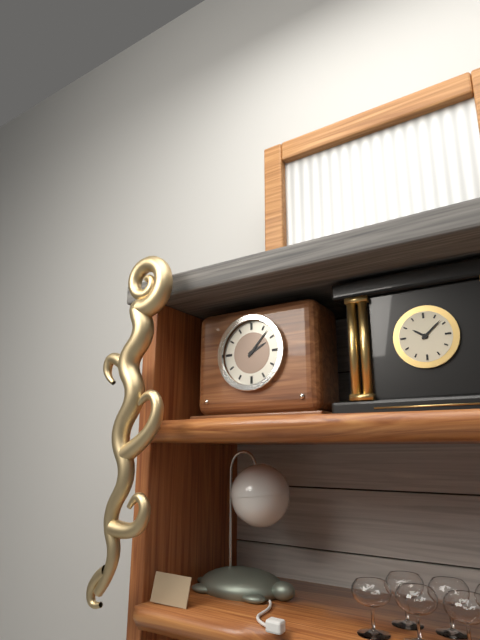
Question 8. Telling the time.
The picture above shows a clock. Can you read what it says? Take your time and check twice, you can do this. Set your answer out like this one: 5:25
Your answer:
2:07
